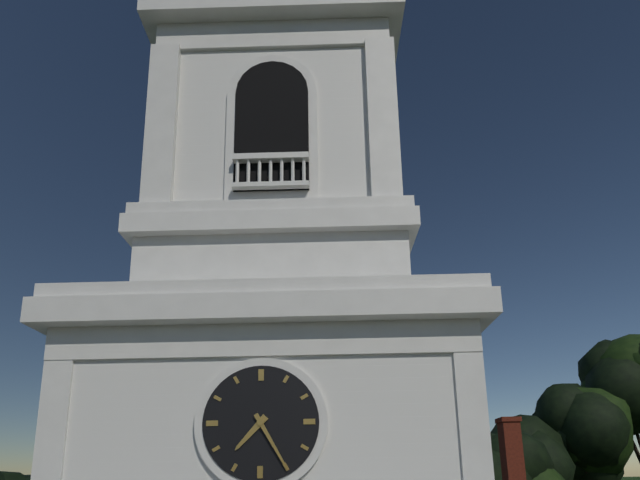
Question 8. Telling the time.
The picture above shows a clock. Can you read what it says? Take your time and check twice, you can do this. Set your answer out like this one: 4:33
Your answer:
7:25
